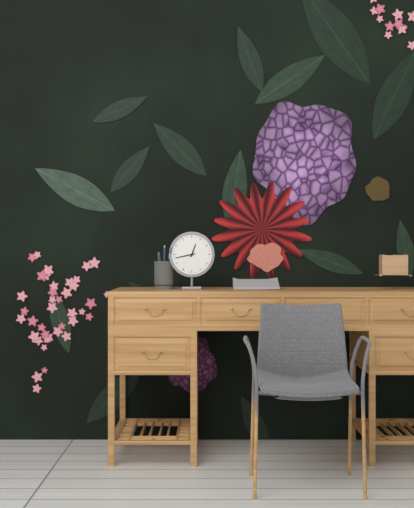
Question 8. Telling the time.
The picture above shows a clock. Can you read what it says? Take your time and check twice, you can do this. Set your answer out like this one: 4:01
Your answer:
12:43
